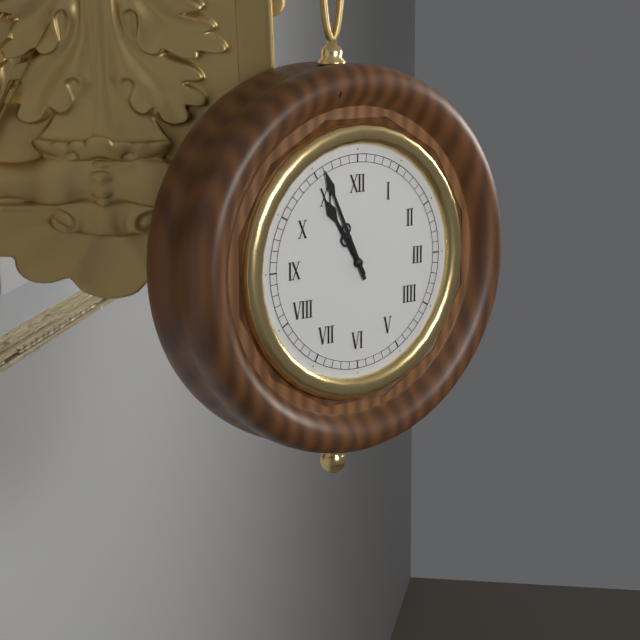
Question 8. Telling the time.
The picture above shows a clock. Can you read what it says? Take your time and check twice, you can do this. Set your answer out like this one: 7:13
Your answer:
10:56
